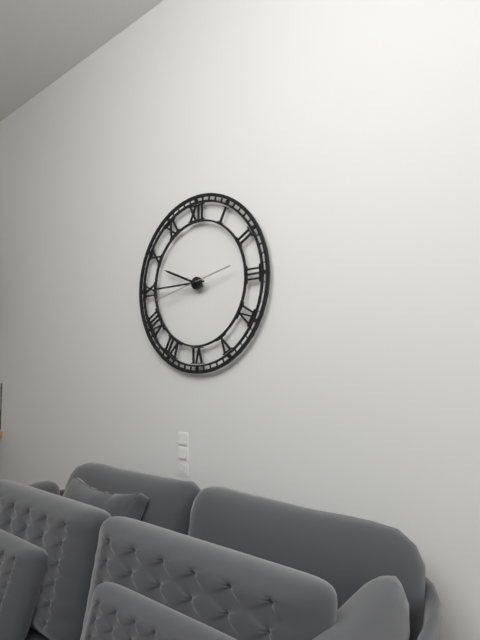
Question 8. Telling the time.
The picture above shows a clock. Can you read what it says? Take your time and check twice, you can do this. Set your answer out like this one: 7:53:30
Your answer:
9:45:43
